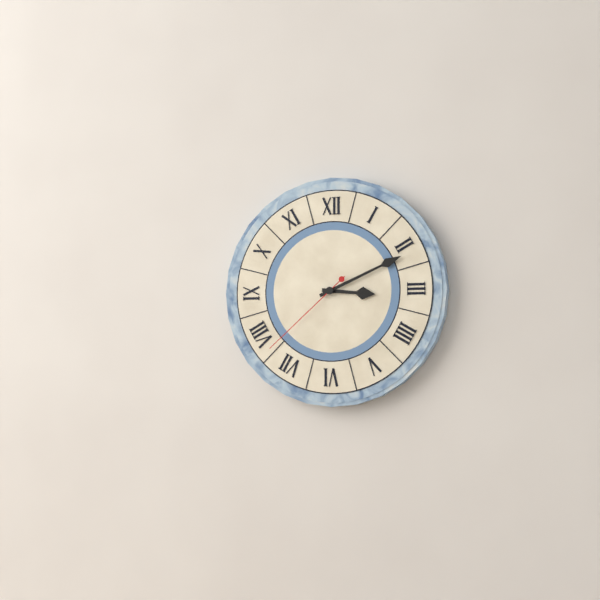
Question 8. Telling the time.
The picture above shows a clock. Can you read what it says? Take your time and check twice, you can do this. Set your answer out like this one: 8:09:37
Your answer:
3:11:38
